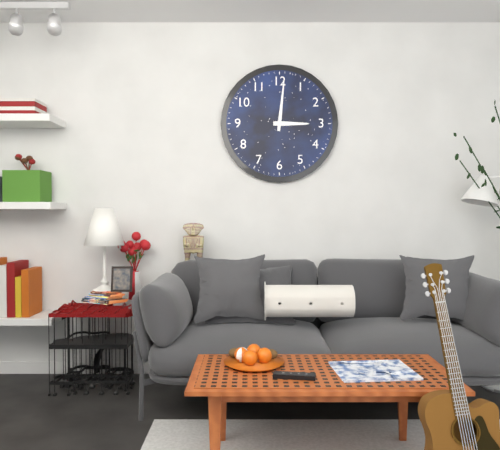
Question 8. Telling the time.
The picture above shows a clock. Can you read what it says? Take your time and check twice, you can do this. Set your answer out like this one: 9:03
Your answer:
3:01
